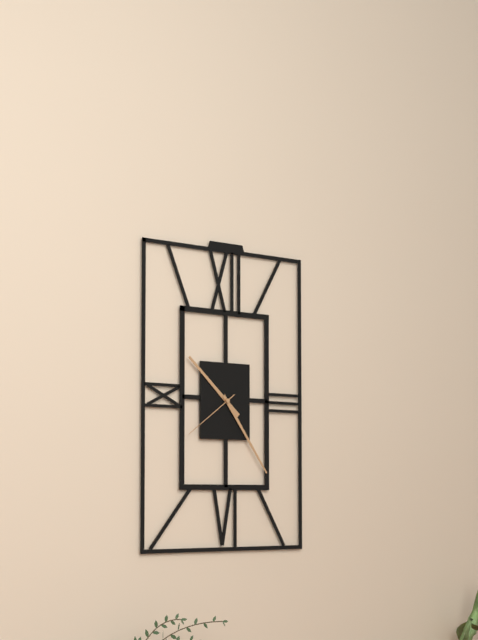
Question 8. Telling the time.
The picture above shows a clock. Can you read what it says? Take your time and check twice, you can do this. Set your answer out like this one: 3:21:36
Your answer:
10:24:39
